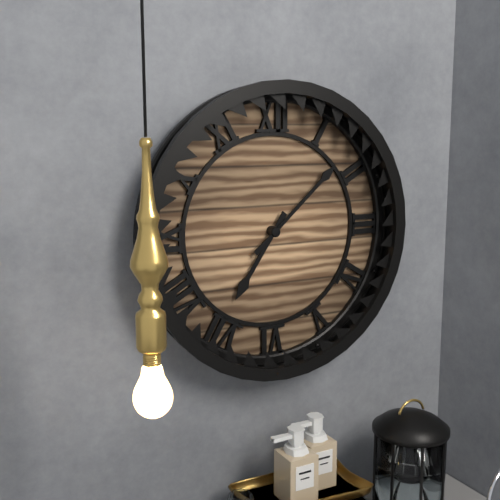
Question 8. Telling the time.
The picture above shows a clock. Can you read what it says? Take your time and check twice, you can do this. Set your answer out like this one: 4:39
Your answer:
7:08
